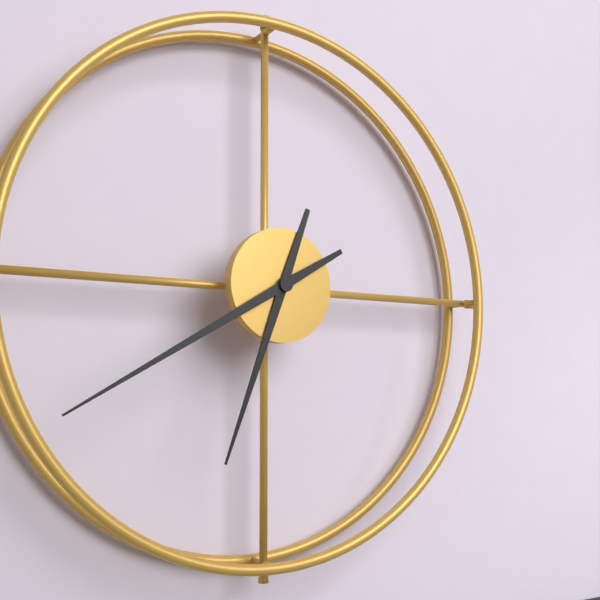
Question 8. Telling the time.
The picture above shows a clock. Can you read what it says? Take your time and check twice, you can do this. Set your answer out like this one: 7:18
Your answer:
6:40
